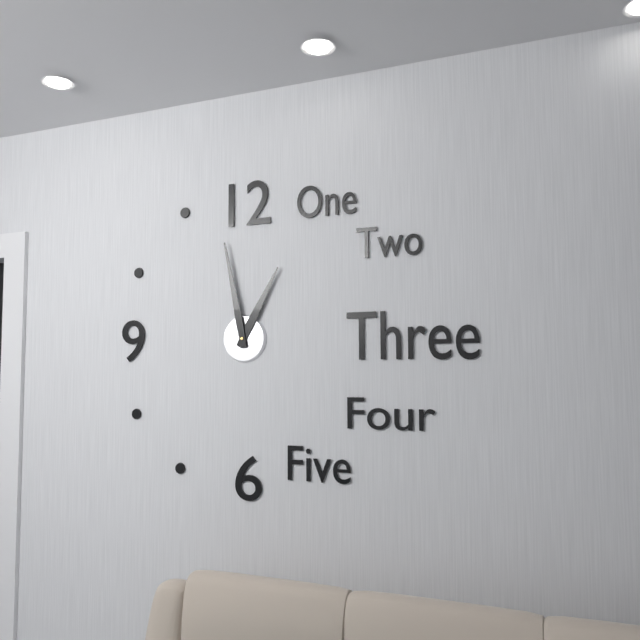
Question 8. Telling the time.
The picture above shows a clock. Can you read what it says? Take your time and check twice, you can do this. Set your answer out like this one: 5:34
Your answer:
12:58
